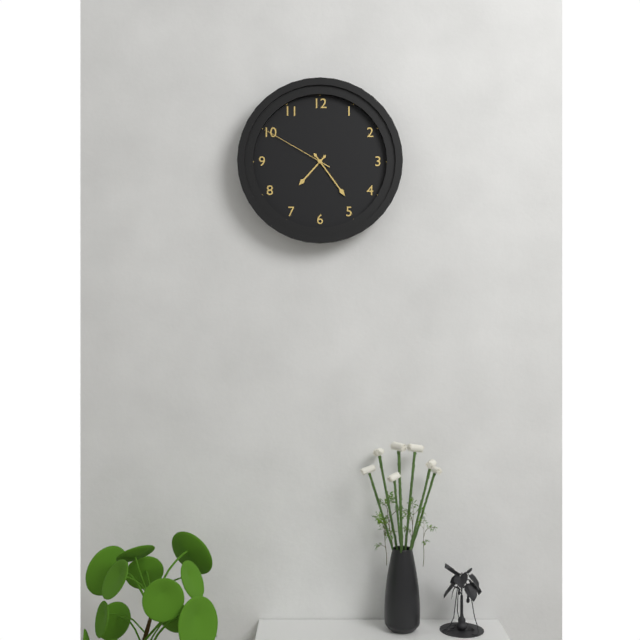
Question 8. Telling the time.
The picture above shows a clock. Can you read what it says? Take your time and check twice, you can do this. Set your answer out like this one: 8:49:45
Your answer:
7:24:50
